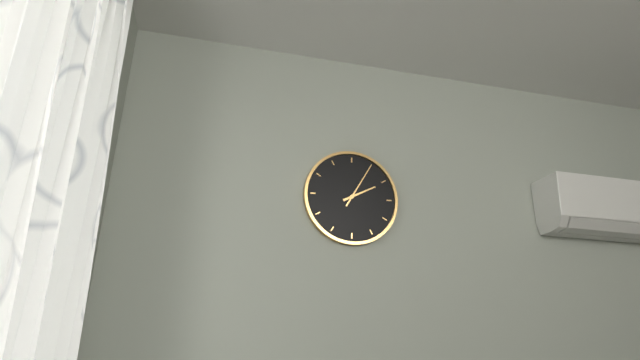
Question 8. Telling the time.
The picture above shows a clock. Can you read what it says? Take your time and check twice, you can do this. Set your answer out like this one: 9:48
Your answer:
2:05
